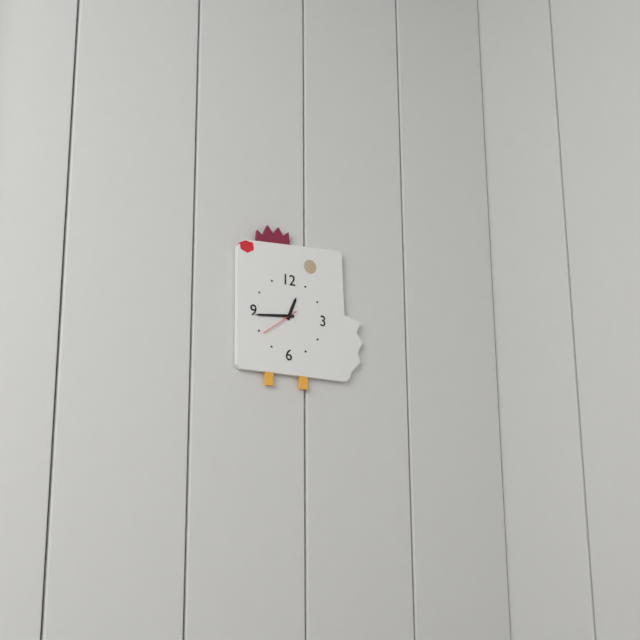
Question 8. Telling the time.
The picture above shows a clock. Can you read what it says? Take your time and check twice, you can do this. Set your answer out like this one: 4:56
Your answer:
12:44
